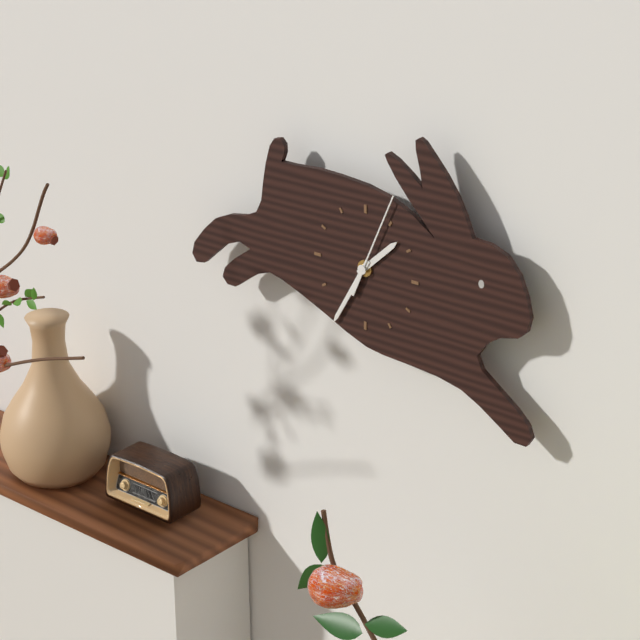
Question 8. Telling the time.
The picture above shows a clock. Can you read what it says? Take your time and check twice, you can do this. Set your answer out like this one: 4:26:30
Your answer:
1:35:04
